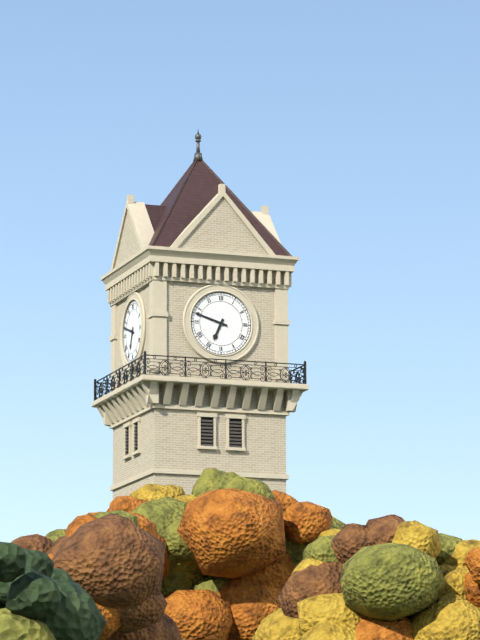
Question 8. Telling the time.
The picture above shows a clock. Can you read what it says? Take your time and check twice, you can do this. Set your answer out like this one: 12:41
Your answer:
6:48
